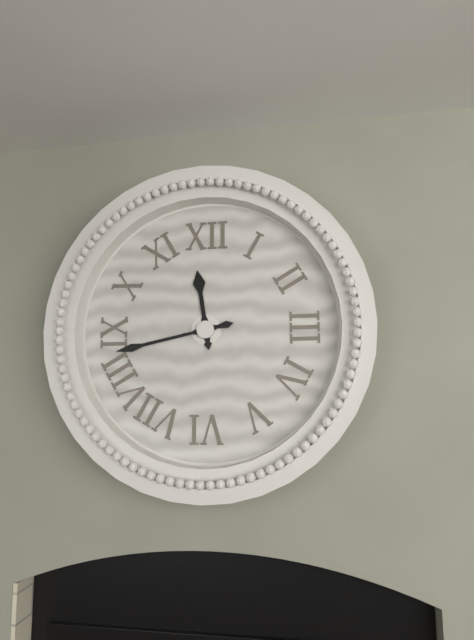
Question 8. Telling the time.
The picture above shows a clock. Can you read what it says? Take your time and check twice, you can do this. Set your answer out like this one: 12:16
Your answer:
11:43
